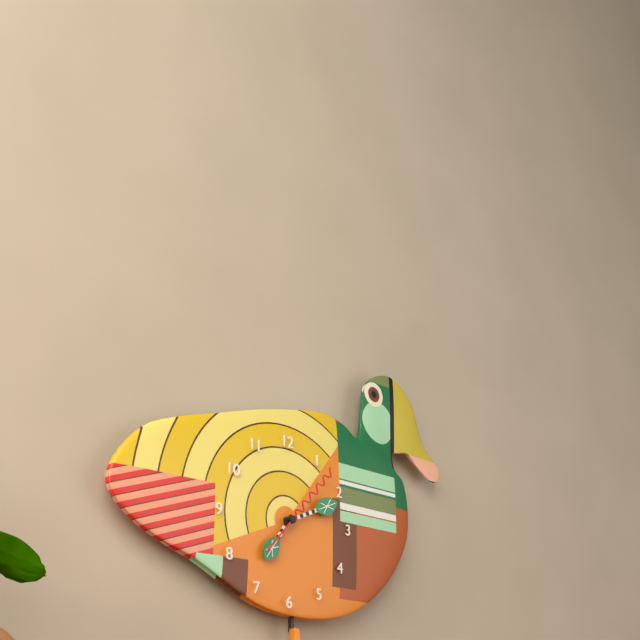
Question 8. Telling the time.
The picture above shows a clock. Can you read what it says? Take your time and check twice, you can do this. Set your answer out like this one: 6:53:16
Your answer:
7:11:07
